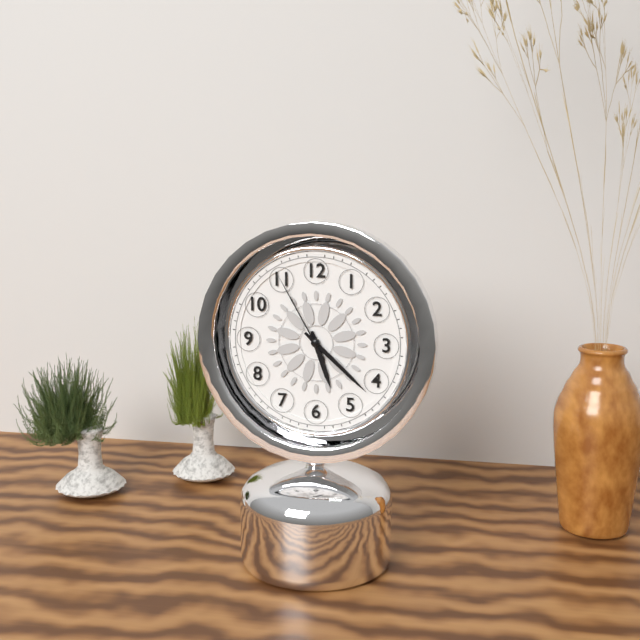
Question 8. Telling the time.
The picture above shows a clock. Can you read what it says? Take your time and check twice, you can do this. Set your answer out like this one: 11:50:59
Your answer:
5:22:55
